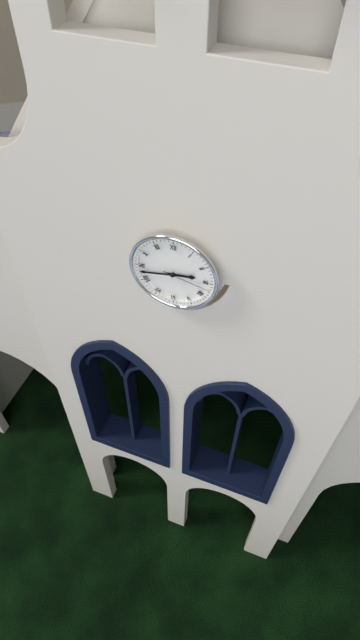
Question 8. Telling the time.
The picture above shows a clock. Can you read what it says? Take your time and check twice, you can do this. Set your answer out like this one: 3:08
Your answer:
2:43
